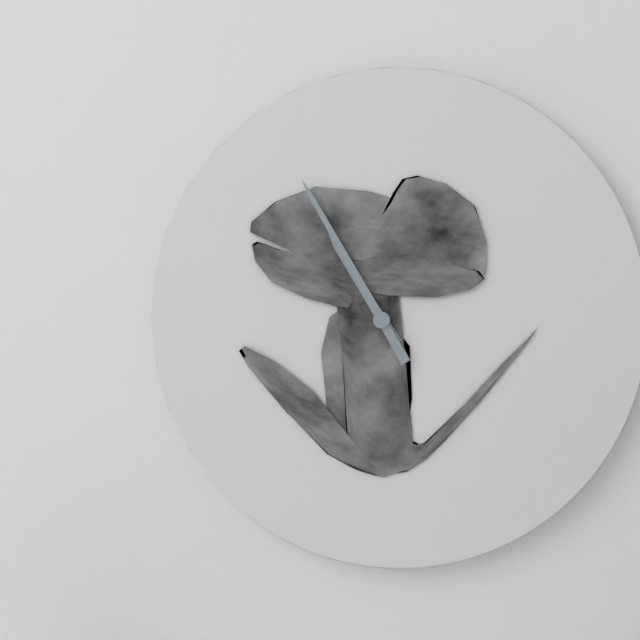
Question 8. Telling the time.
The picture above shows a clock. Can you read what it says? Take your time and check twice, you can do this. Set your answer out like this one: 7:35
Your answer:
10:55
